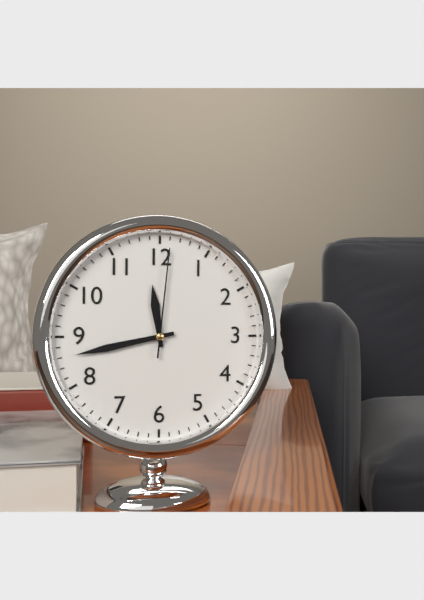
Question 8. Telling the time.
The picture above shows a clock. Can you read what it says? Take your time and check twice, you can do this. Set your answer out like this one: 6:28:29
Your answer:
11:43:01
